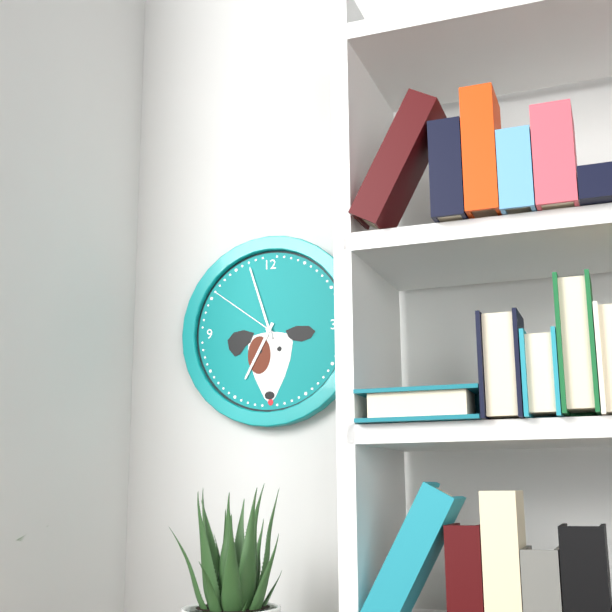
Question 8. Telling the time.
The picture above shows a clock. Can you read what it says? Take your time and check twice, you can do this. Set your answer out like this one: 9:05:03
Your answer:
6:57:51
